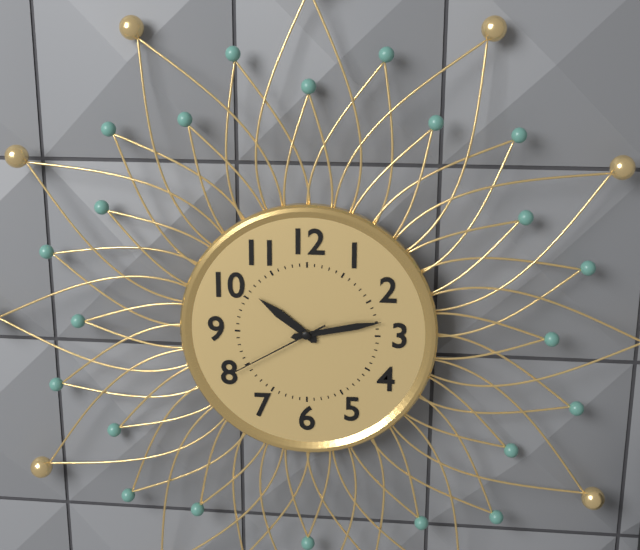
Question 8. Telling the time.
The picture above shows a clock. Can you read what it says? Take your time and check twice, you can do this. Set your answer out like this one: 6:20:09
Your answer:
10:13:40
